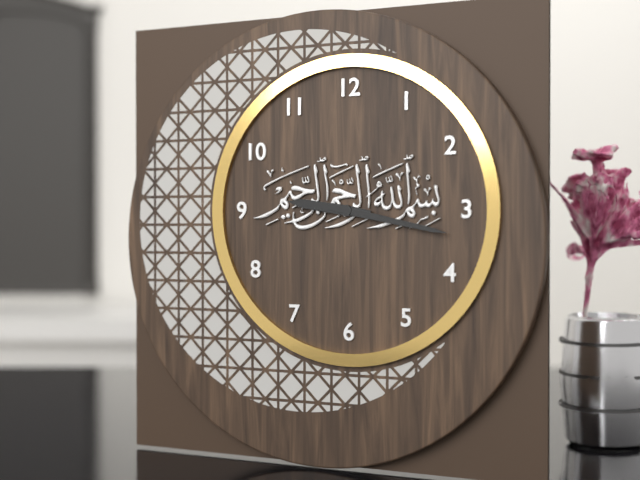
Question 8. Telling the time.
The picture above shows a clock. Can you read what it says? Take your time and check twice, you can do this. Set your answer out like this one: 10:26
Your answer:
9:17
